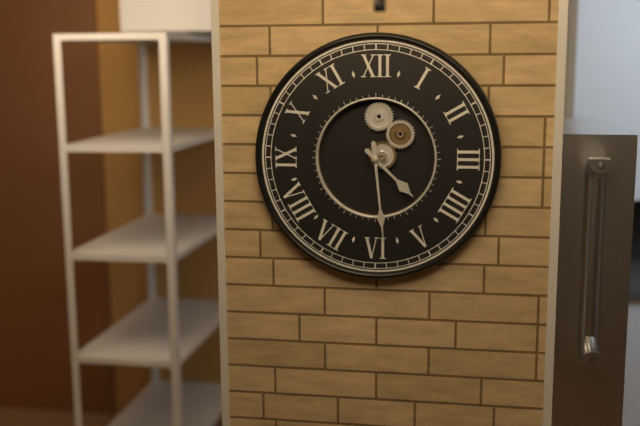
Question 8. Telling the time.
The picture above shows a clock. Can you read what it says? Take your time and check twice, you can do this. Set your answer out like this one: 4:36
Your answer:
4:29
